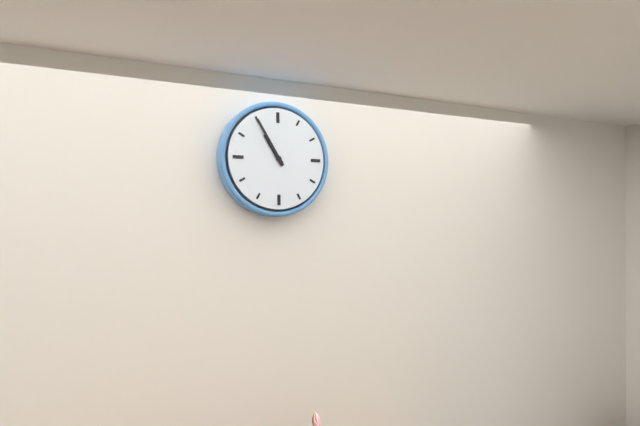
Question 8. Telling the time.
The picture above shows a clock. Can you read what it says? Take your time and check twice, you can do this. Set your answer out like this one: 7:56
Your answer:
10:55
